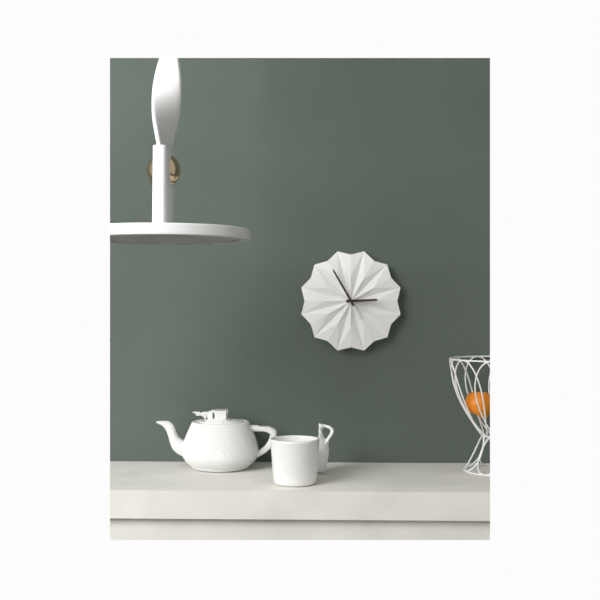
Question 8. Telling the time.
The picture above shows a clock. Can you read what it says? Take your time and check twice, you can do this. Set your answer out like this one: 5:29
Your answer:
2:55
